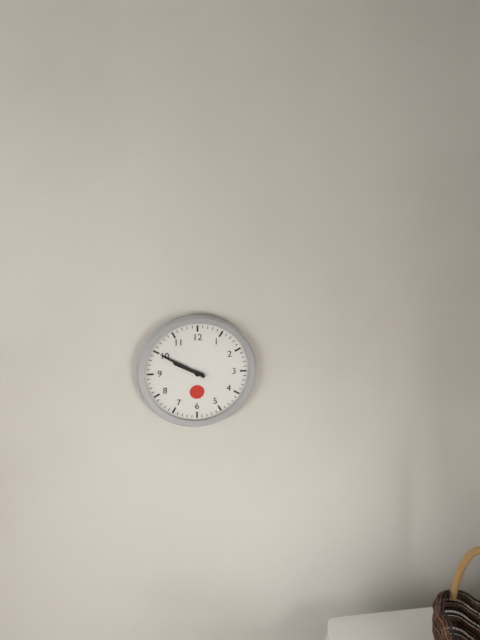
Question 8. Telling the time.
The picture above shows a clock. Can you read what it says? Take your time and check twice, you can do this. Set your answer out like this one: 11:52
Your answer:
9:50
